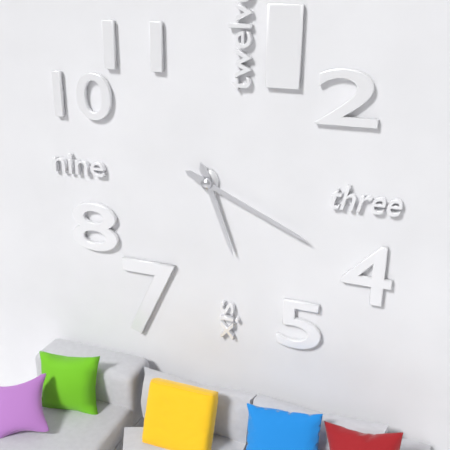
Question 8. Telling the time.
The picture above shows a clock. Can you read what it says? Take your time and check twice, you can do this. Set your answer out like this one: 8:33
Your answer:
5:19
